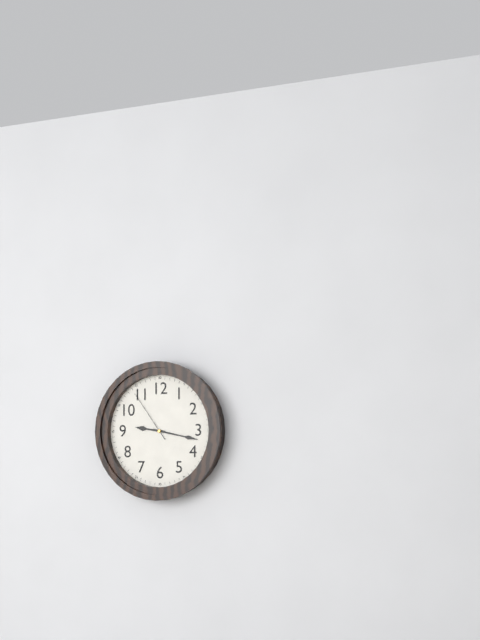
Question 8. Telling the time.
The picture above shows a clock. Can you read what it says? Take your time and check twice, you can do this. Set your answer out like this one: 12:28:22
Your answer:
9:17:54
